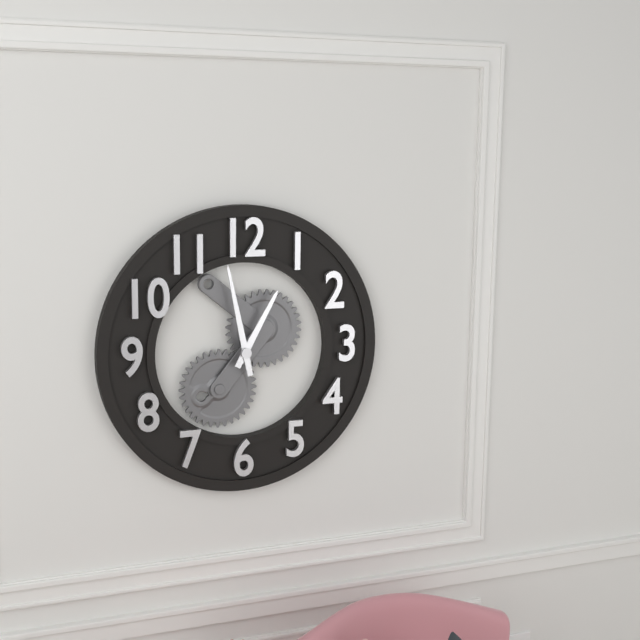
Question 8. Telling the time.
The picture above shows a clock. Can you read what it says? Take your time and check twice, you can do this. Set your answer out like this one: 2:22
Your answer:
12:58
